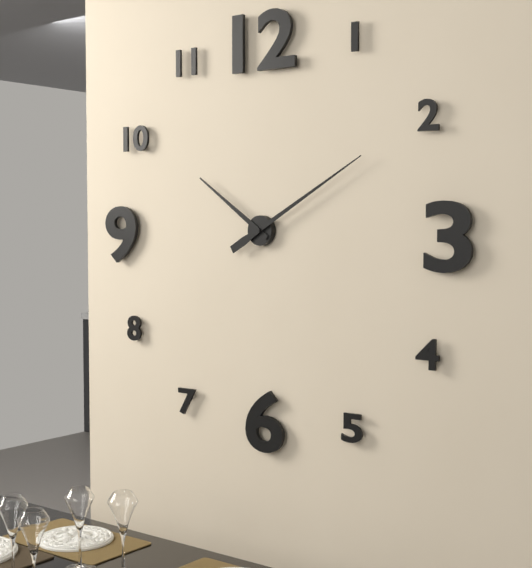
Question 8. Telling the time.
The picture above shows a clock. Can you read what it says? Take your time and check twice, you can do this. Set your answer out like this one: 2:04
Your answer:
10:10
